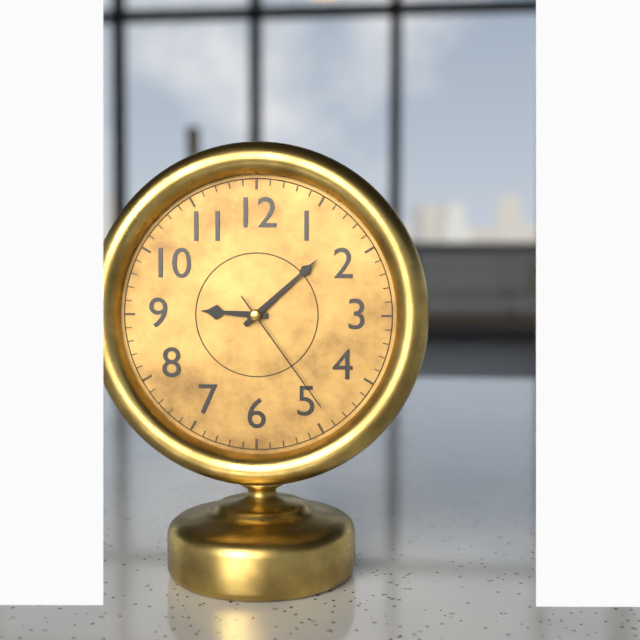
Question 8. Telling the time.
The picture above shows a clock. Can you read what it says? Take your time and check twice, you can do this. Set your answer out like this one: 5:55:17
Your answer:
9:08:24
